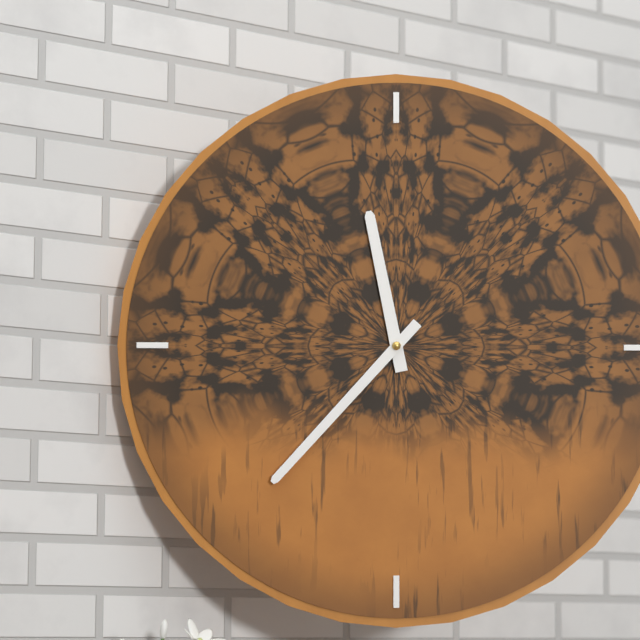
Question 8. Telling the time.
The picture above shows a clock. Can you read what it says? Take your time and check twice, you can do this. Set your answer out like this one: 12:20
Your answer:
11:37
